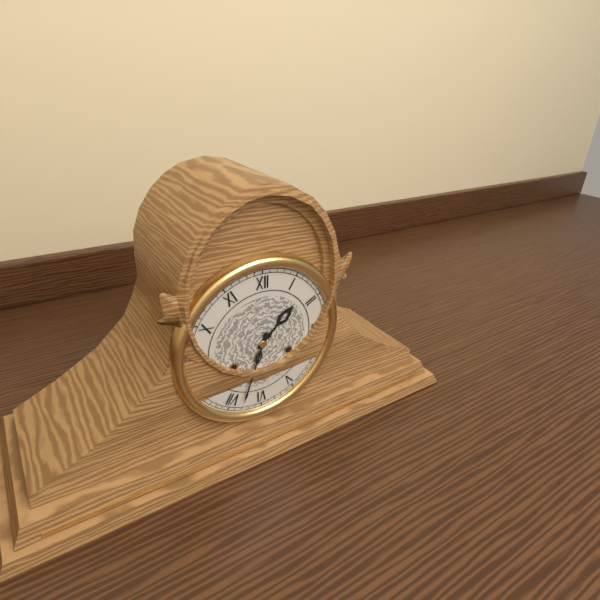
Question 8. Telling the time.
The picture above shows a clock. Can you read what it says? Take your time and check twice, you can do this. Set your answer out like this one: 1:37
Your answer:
1:33
